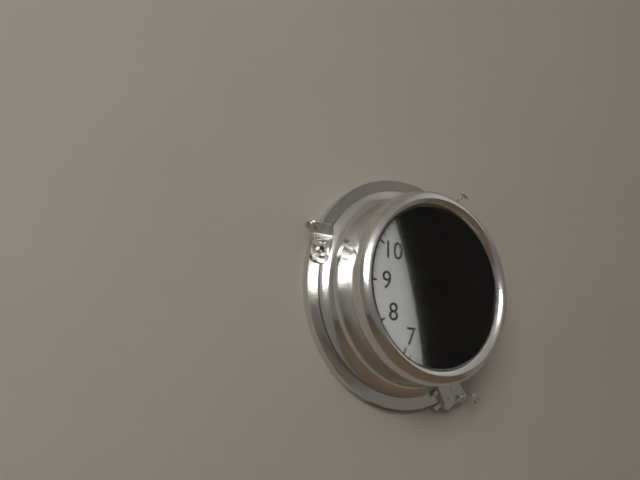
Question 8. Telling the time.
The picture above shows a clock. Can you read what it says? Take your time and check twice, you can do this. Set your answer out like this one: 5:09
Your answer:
11:56
